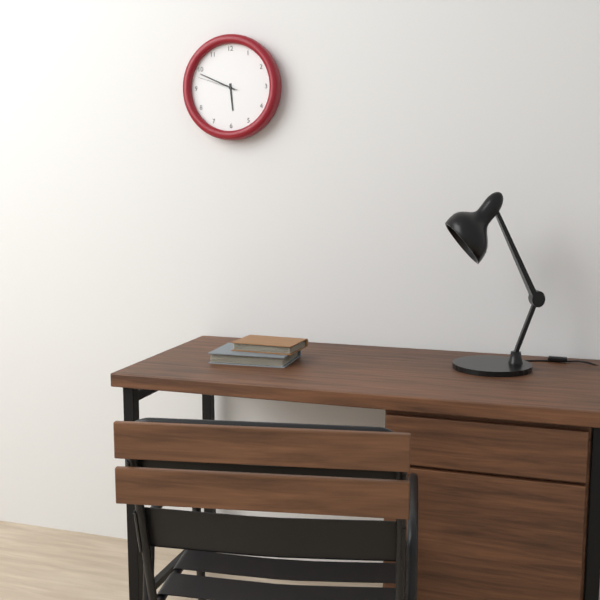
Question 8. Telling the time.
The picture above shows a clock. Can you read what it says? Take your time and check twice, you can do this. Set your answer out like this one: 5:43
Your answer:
5:49
